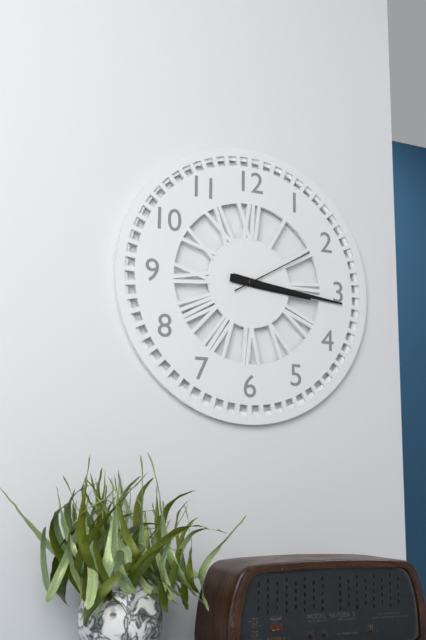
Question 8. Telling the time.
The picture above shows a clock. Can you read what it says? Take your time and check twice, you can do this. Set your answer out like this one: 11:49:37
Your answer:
3:16:10
